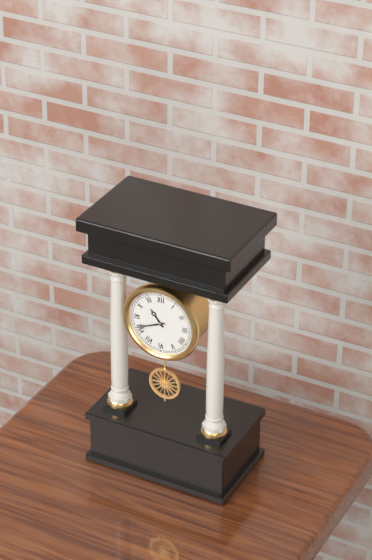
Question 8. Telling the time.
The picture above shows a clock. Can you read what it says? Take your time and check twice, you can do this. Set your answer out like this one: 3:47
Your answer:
10:41
